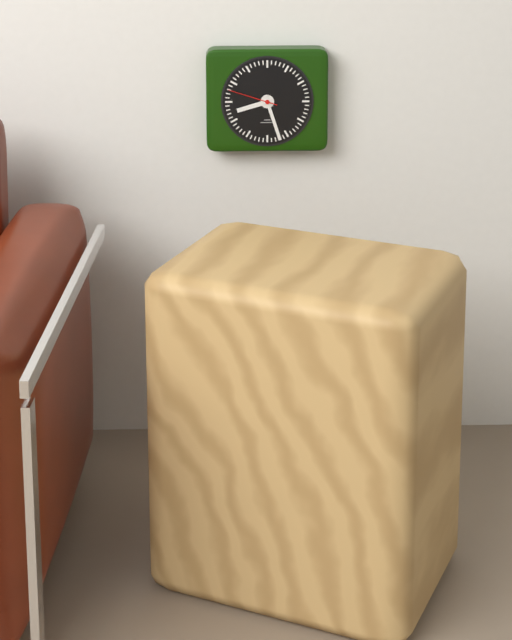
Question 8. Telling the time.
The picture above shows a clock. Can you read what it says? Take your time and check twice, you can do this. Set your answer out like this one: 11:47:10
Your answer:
8:27:48
